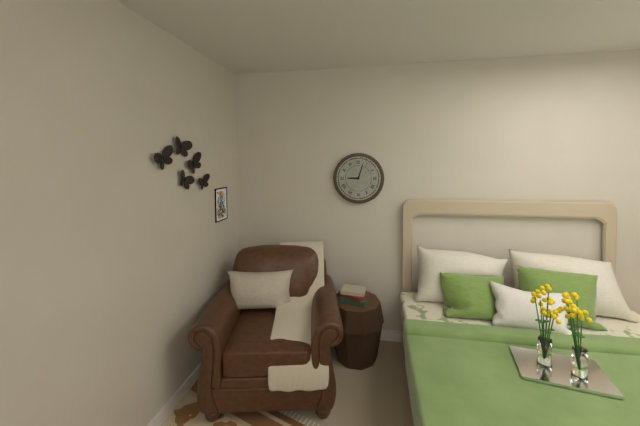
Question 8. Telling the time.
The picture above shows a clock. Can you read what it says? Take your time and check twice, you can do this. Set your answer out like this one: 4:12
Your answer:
9:03
